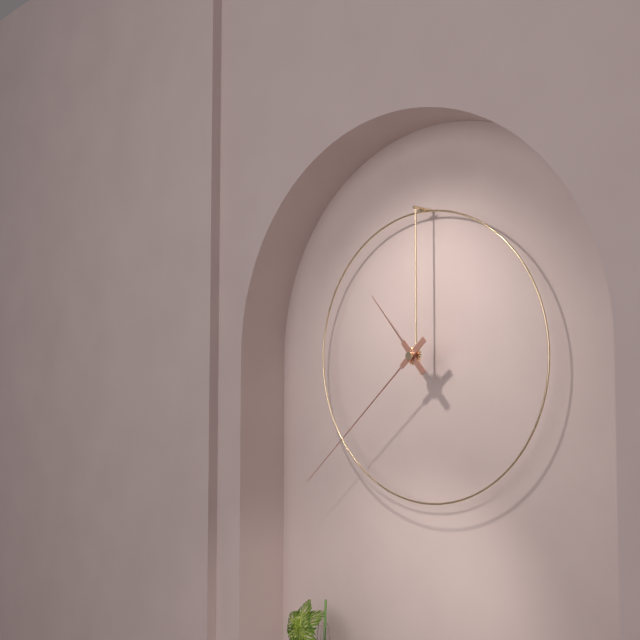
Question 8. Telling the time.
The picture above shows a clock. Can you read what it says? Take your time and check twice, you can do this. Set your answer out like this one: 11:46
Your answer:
10:38
